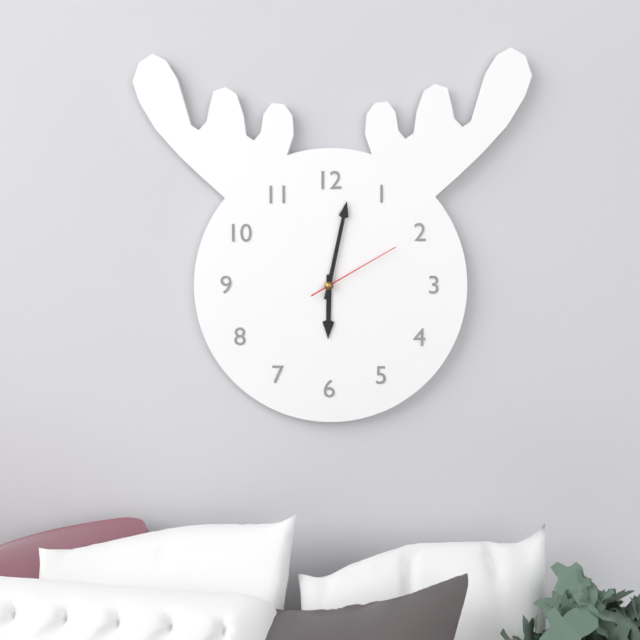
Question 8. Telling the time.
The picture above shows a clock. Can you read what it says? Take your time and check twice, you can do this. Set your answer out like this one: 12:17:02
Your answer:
6:02:10
